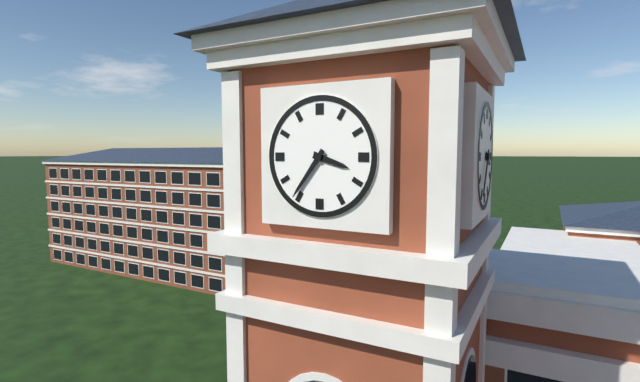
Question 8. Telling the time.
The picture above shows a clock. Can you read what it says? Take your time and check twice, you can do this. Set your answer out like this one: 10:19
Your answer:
3:36
